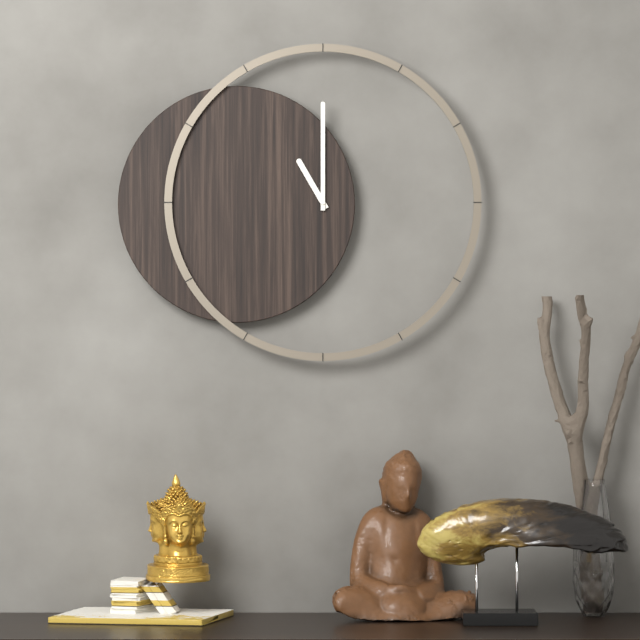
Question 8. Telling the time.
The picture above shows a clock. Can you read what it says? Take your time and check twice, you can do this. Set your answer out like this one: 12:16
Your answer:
11:00
